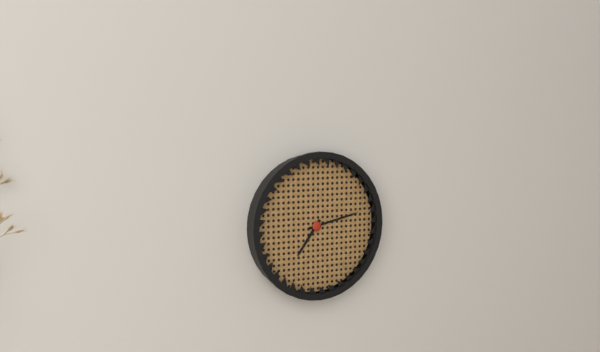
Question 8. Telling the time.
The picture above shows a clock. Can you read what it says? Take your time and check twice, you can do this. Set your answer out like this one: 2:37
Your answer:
7:13
